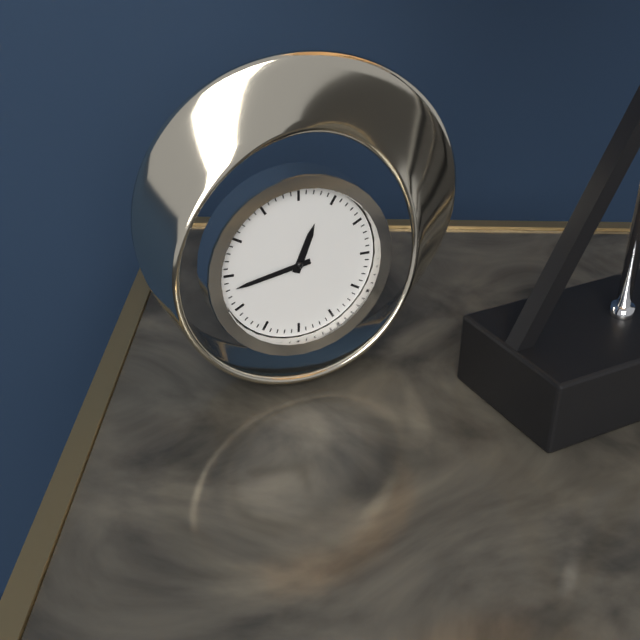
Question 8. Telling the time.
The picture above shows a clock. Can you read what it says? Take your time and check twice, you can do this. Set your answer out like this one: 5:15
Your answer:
12:43
